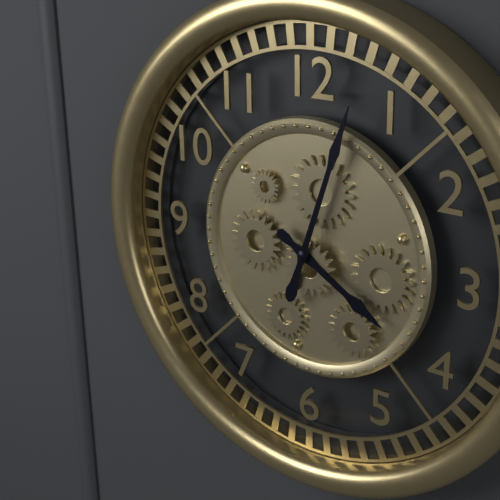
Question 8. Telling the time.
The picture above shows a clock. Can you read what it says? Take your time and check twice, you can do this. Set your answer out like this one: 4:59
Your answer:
4:03
